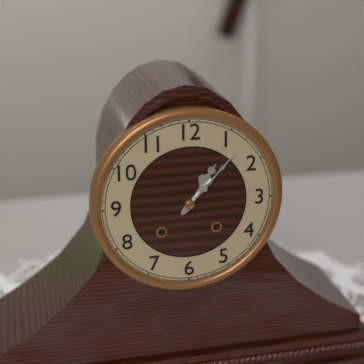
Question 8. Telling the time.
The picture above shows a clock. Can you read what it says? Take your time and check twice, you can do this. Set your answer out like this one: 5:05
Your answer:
1:07
